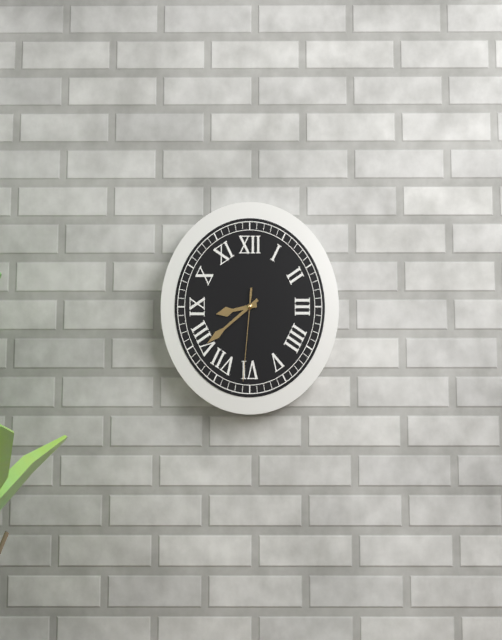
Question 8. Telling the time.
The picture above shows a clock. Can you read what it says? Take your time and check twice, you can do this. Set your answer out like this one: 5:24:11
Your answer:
8:39:31
